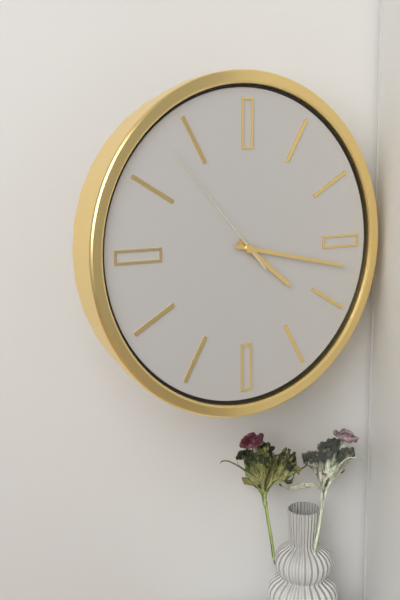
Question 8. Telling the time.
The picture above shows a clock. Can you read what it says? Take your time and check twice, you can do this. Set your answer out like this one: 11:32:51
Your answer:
4:17:53
